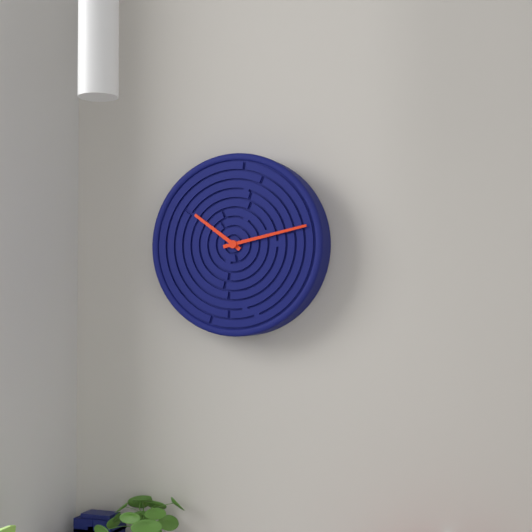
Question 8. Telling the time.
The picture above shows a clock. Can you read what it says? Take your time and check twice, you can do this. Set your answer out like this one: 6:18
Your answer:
10:13
